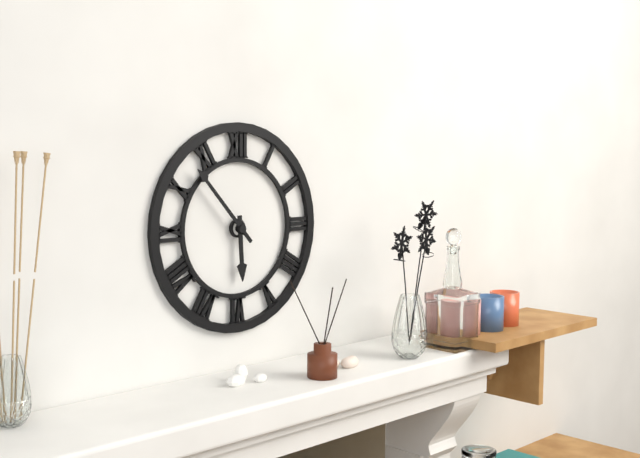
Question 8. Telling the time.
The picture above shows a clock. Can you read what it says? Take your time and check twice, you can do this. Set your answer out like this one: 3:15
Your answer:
5:53
